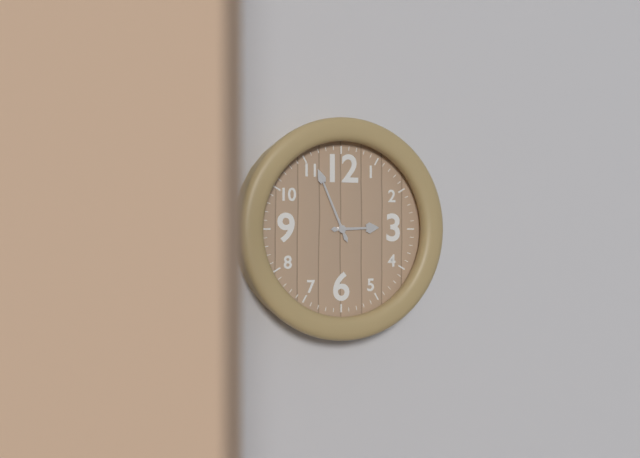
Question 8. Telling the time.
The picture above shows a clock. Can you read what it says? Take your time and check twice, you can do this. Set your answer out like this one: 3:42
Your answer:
2:56
